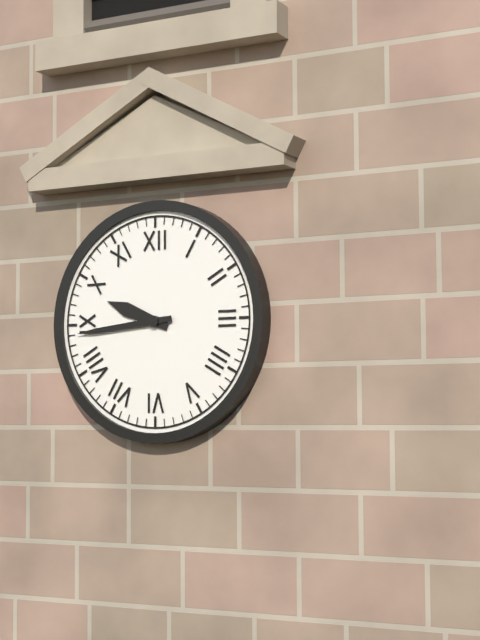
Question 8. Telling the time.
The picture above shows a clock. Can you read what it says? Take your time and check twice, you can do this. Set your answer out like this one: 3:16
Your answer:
9:44
